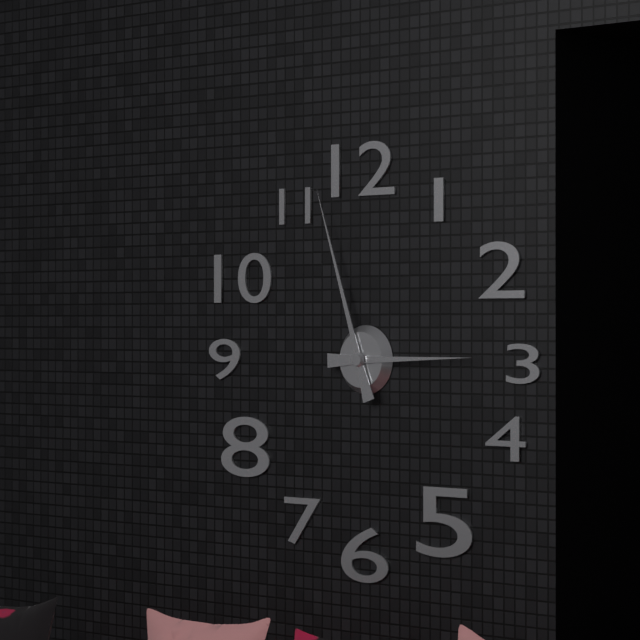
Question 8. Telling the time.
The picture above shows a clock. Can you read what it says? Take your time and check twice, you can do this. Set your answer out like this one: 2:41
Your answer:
2:57
